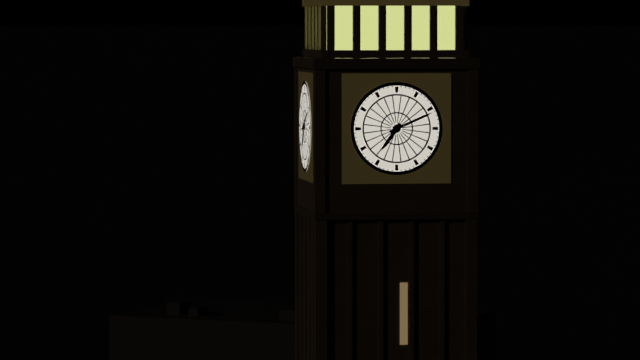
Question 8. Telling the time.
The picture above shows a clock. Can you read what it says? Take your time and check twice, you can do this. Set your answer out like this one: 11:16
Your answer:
7:11
